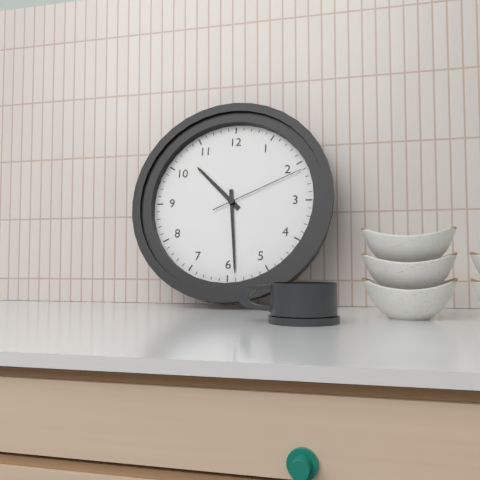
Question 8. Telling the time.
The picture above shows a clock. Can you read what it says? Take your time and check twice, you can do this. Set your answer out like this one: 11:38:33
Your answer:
10:29:11
